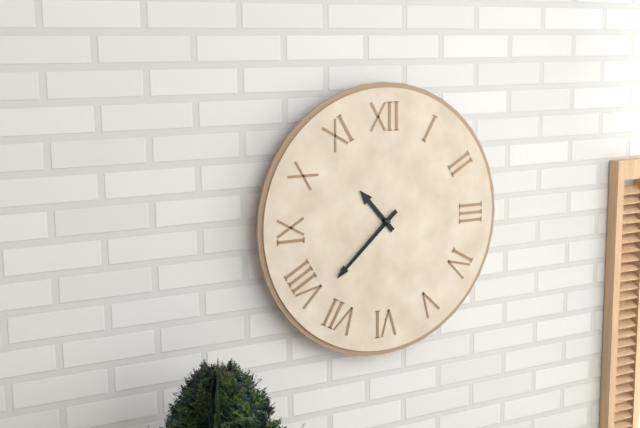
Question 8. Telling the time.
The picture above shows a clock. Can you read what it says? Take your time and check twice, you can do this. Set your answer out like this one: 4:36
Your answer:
10:38
